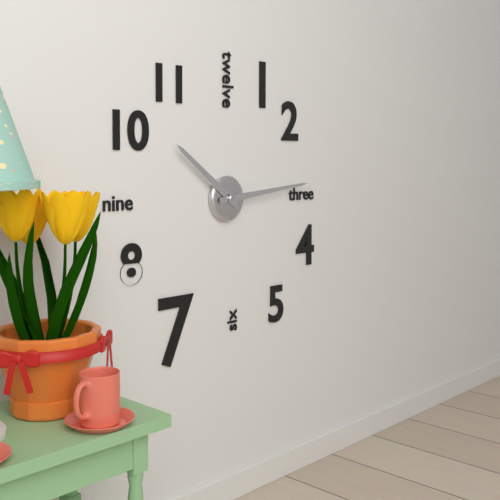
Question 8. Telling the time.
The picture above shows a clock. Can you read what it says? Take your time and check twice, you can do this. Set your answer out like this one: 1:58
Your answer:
10:14
